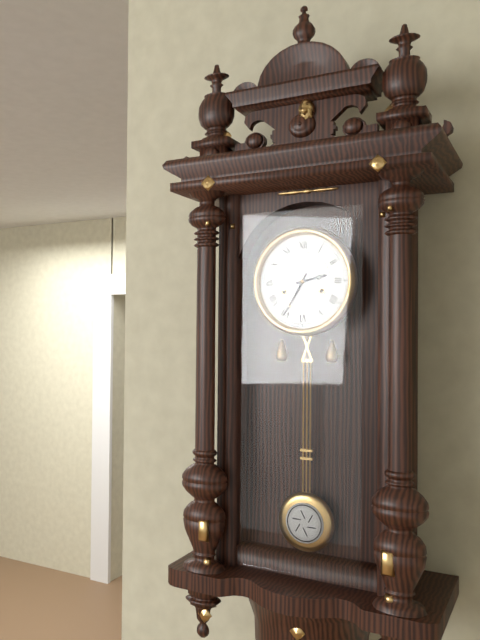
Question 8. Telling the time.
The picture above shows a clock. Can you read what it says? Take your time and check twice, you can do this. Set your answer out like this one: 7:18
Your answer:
2:35
